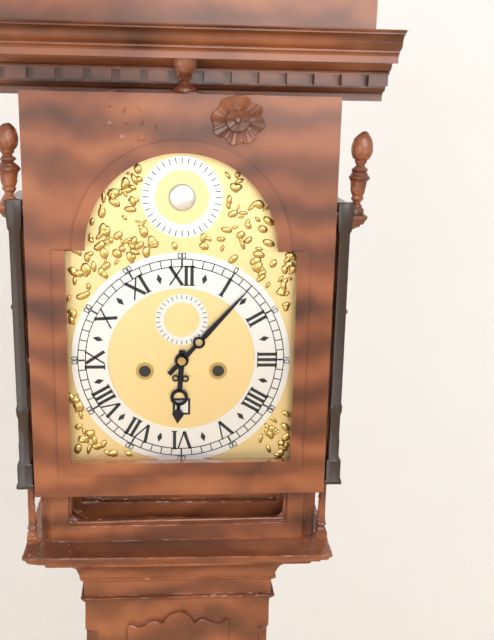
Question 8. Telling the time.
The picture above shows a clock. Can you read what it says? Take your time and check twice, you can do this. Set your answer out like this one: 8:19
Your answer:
6:07
